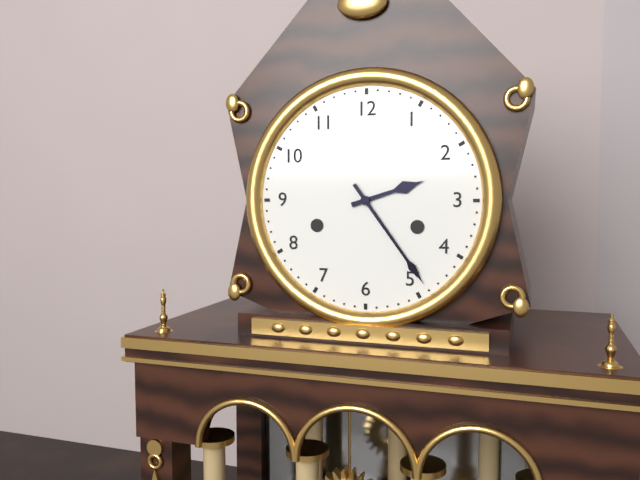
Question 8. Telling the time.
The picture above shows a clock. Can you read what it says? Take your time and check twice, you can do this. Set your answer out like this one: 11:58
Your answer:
2:24
